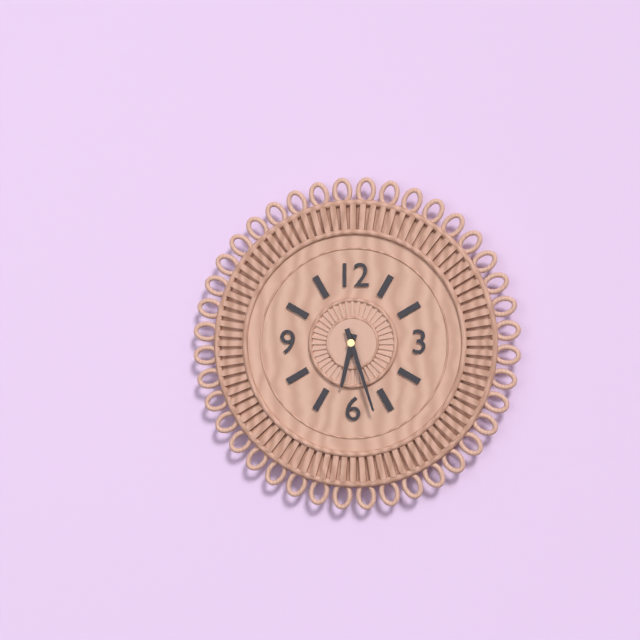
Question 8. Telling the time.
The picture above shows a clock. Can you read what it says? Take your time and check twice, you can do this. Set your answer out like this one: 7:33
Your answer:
6:27
